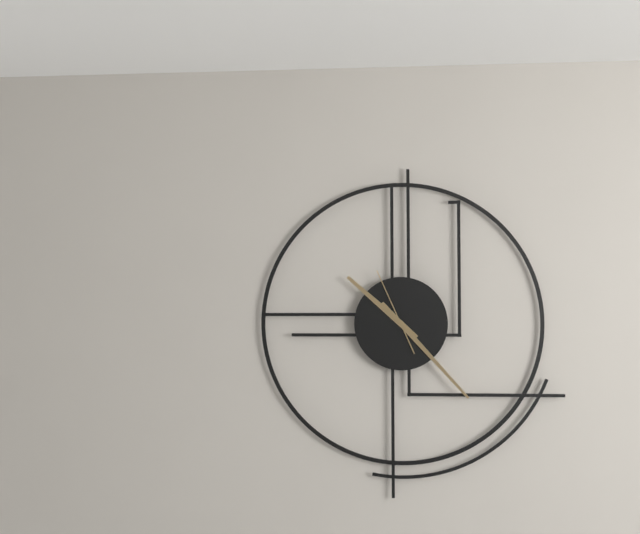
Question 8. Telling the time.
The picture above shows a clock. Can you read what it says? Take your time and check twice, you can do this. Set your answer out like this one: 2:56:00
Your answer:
10:23:56
